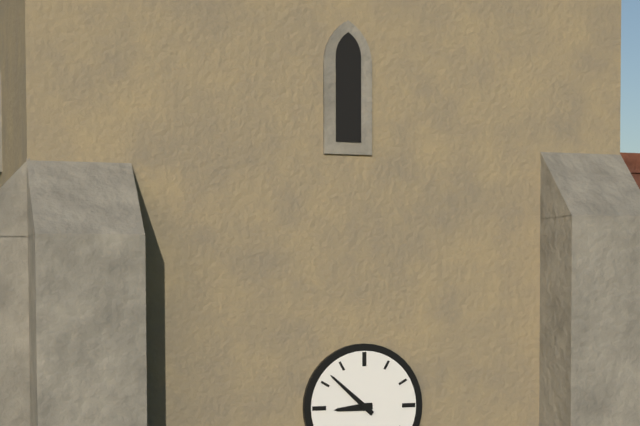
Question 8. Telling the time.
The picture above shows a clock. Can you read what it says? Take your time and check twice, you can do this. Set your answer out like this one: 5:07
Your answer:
8:52
